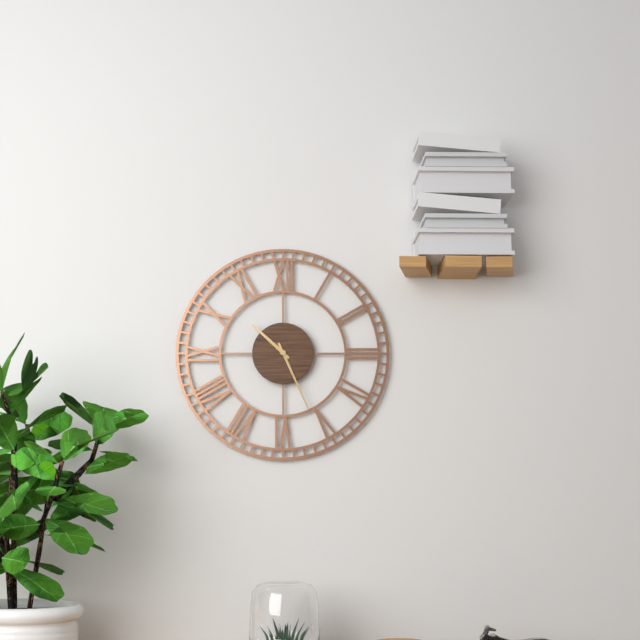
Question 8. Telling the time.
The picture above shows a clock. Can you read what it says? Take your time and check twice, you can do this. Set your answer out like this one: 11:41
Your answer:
10:26
